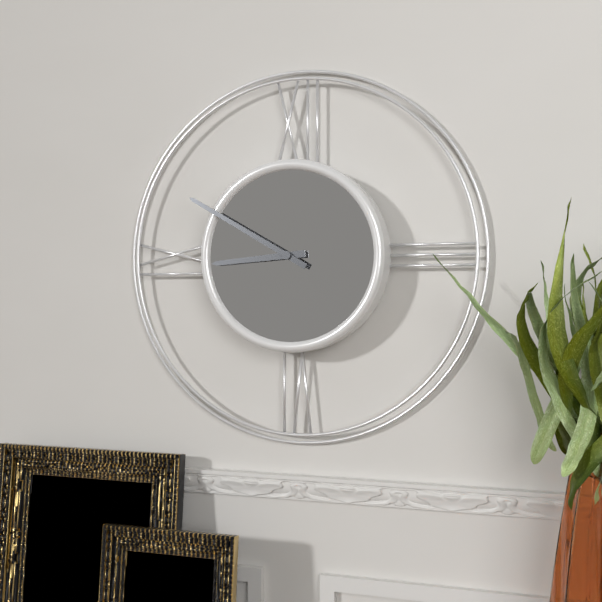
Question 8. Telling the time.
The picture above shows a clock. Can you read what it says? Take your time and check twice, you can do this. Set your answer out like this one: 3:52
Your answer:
8:50
